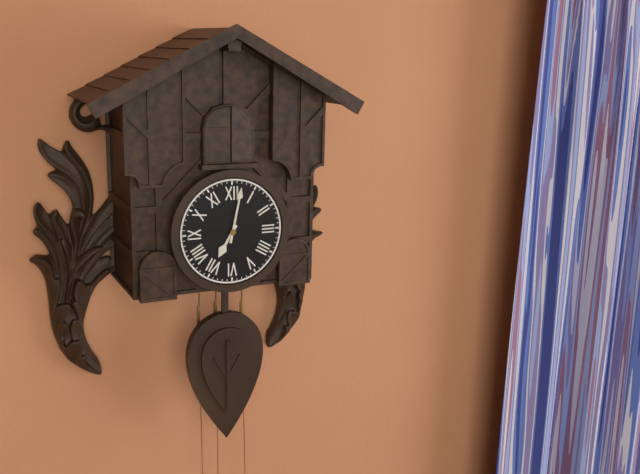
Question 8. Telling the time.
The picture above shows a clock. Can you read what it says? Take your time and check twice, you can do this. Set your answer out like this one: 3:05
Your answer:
7:02
